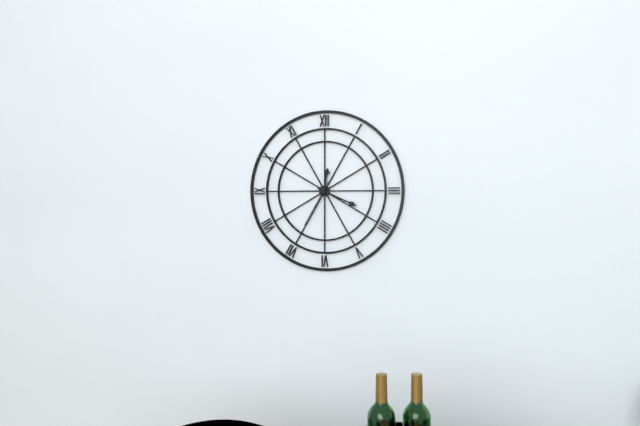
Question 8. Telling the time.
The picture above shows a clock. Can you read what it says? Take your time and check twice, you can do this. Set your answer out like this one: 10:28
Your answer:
12:19
